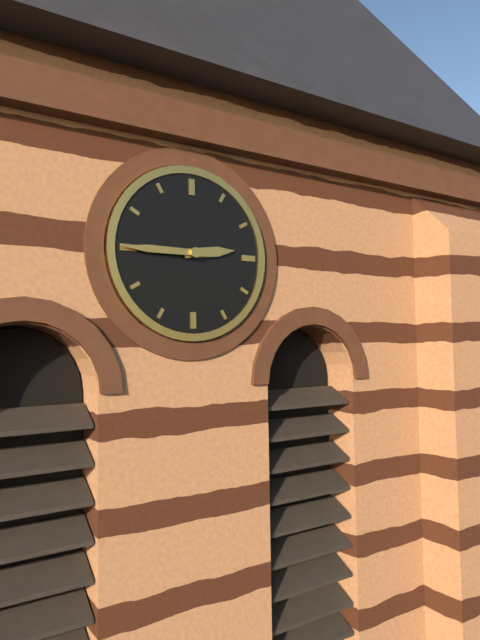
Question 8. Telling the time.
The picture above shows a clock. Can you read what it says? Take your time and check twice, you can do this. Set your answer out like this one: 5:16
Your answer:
2:45
